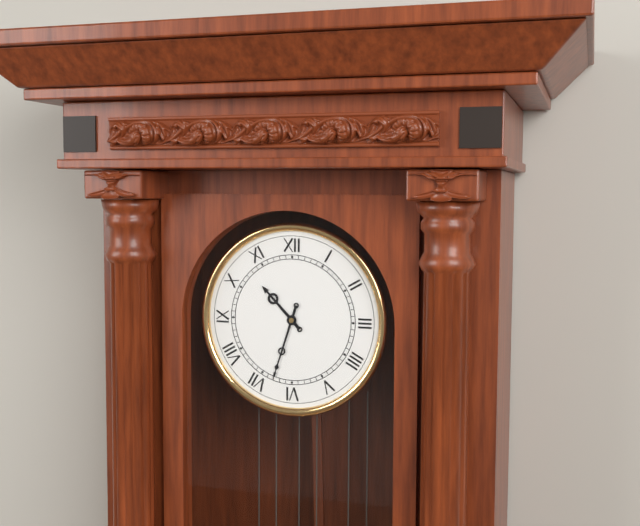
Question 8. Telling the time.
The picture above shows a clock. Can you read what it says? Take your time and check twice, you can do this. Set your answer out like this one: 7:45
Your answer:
10:33
